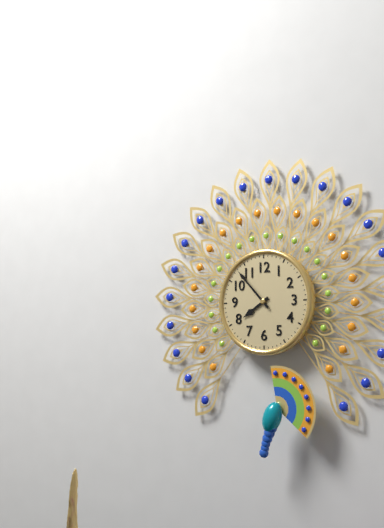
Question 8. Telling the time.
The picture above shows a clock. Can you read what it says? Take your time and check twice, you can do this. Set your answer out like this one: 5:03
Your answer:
7:53
